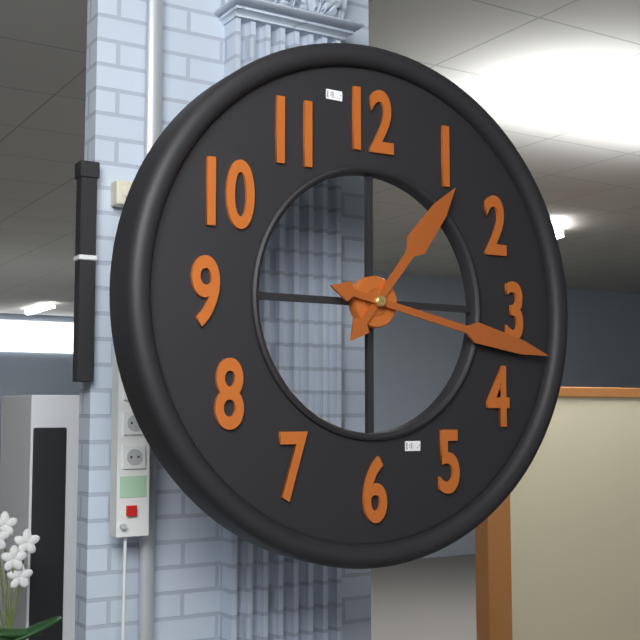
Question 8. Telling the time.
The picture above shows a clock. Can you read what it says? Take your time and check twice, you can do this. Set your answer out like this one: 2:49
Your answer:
1:17
